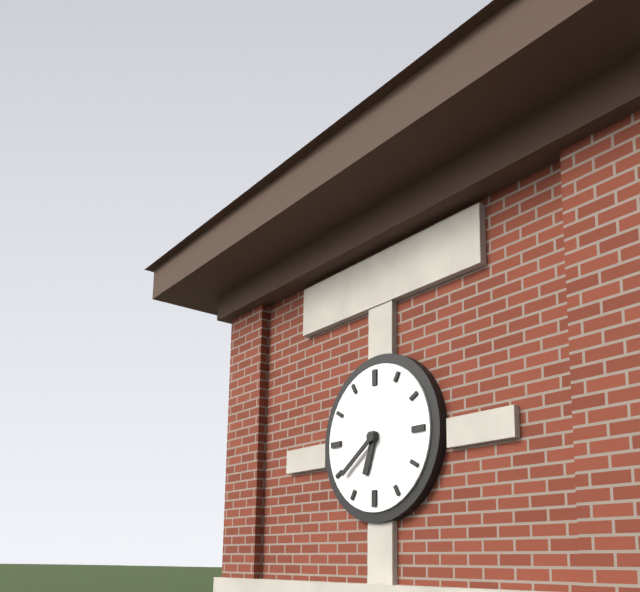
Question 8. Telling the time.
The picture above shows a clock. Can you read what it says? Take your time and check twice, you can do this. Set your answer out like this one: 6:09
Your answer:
6:39
